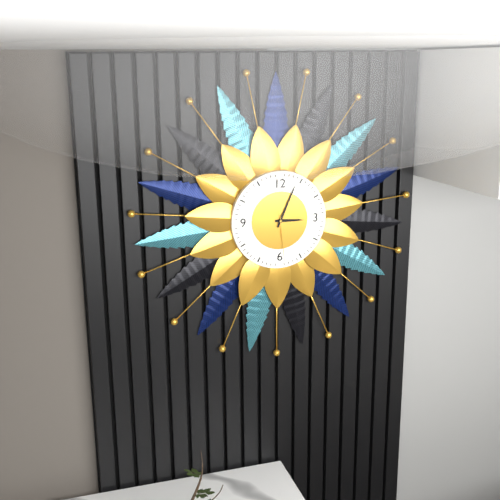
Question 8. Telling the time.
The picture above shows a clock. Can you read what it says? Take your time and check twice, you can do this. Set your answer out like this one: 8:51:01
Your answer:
3:04:29
